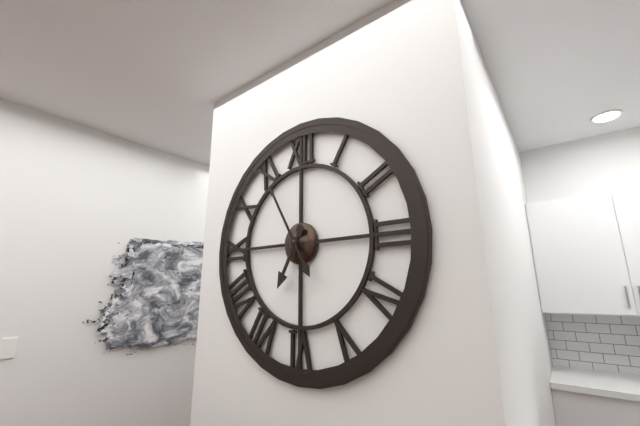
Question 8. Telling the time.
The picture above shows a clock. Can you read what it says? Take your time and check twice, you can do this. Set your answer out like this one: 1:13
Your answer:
6:55
